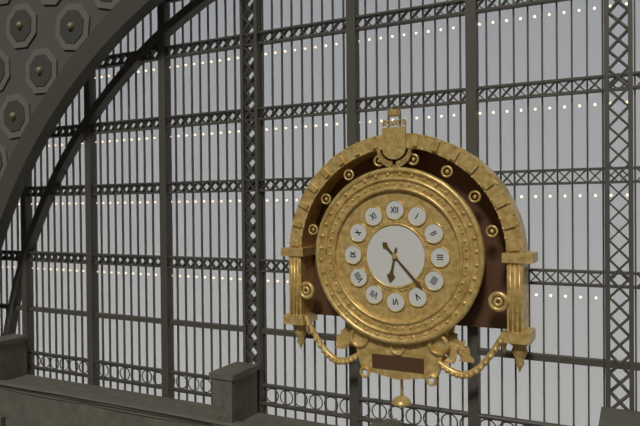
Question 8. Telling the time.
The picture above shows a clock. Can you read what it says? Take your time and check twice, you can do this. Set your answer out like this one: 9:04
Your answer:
6:23
